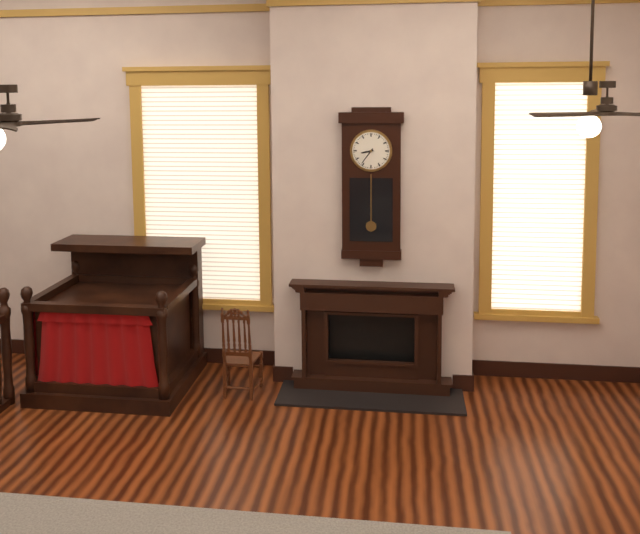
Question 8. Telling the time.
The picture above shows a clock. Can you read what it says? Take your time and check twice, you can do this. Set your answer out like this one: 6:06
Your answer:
8:36
